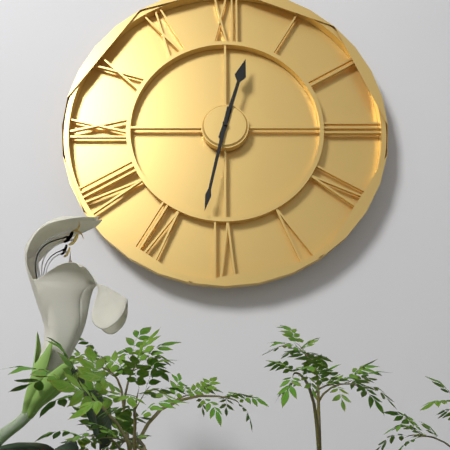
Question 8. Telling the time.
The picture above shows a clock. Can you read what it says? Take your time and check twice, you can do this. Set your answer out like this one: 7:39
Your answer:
12:32
